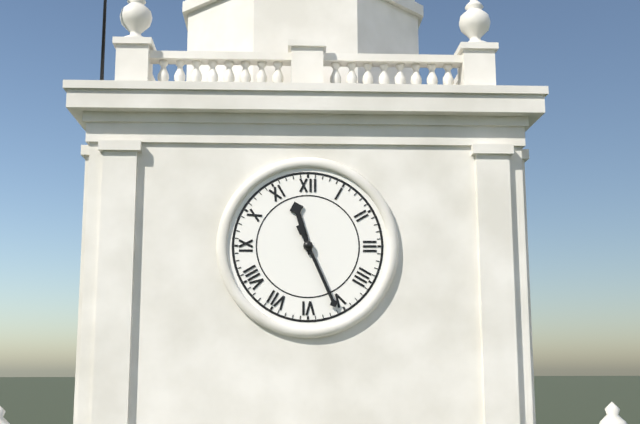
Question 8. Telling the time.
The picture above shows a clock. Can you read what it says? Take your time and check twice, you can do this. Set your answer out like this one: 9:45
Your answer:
11:26
